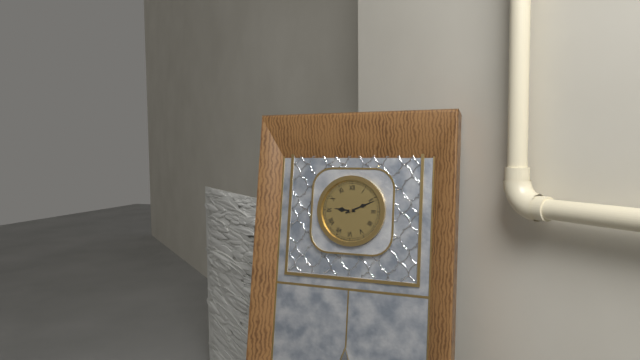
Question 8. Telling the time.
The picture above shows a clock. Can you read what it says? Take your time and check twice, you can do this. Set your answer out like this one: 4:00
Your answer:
9:11
